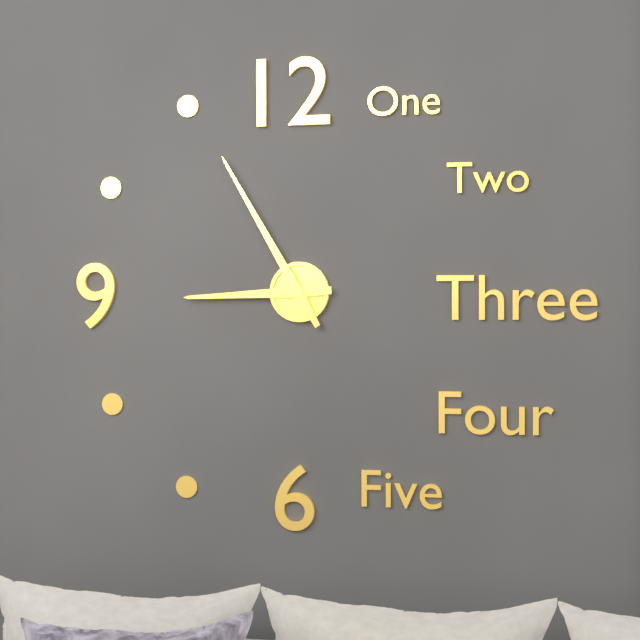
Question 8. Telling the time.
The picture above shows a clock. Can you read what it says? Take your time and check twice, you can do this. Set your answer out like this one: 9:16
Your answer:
8:55
